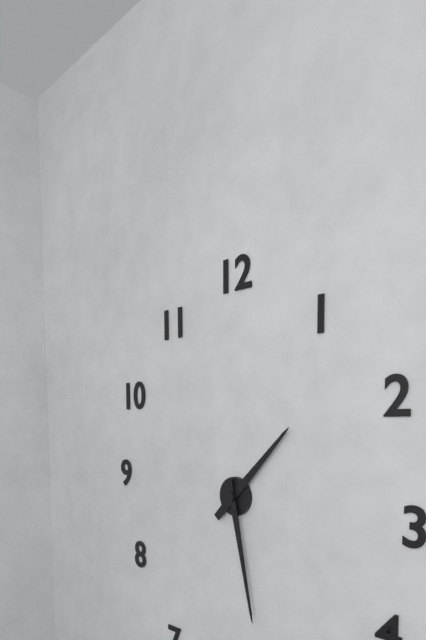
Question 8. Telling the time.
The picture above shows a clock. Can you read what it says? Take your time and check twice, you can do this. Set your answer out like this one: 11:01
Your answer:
1:28
